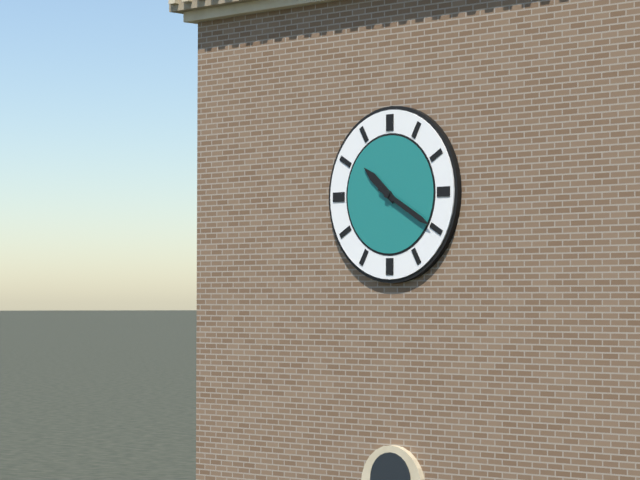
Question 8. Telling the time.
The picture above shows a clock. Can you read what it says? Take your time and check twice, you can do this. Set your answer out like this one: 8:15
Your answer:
10:20
